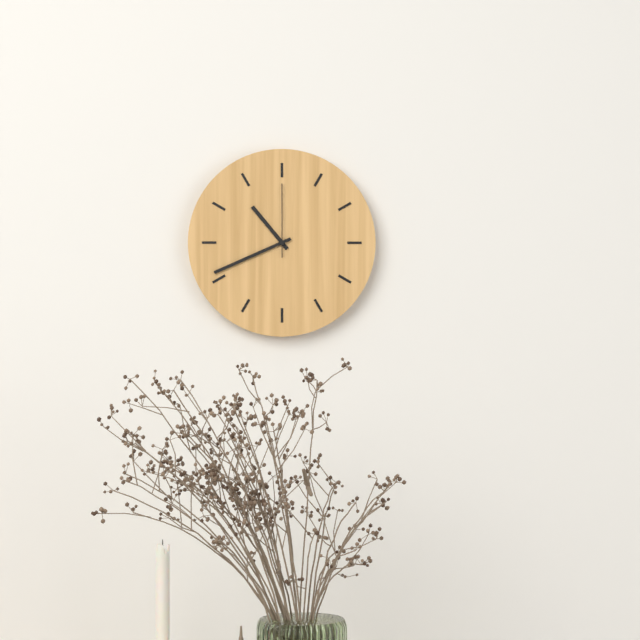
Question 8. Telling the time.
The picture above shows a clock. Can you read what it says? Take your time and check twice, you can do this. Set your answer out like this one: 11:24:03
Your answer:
10:41:00
